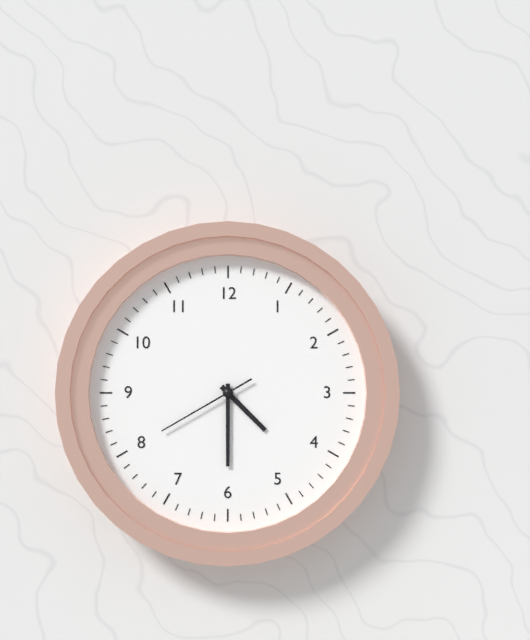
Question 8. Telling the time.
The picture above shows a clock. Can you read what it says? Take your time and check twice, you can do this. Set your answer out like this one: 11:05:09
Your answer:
4:30:40
